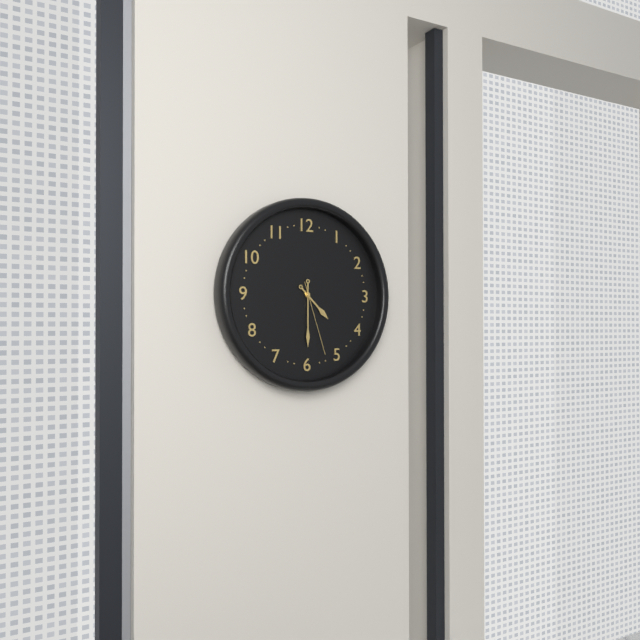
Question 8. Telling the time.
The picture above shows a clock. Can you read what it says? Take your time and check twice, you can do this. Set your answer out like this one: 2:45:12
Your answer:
4:30:27
